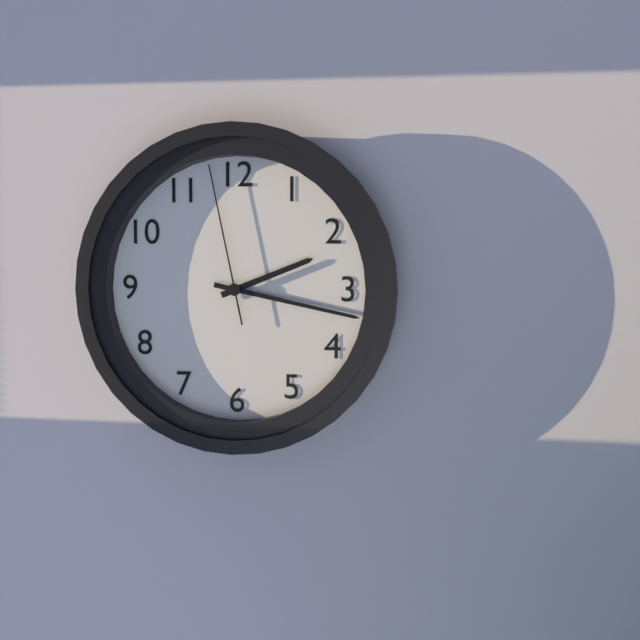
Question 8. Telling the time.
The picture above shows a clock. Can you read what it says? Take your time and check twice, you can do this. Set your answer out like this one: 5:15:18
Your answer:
2:17:58
